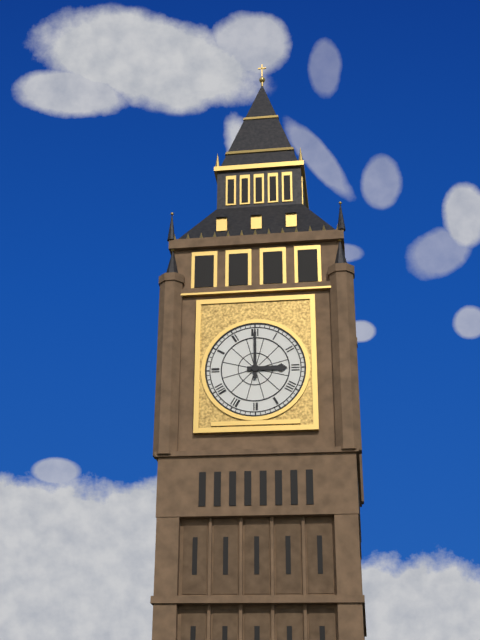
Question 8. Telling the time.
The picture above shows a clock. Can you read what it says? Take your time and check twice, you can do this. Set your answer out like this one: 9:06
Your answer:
3:00
